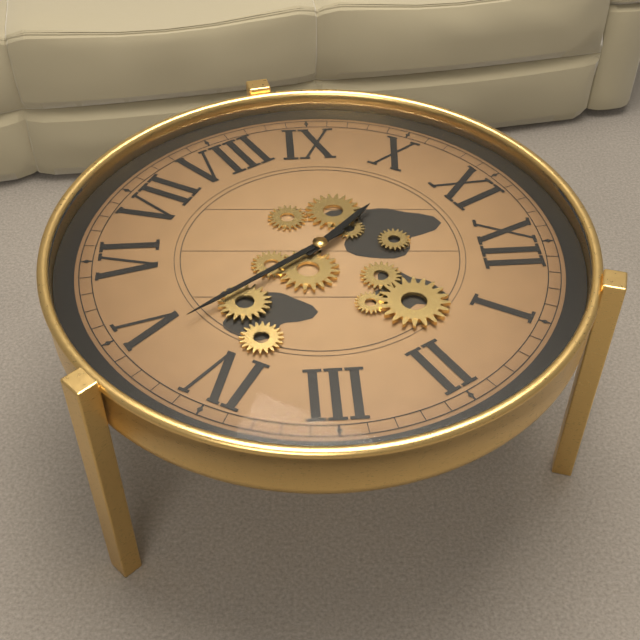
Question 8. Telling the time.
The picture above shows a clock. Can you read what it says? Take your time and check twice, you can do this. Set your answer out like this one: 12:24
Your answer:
10:24
